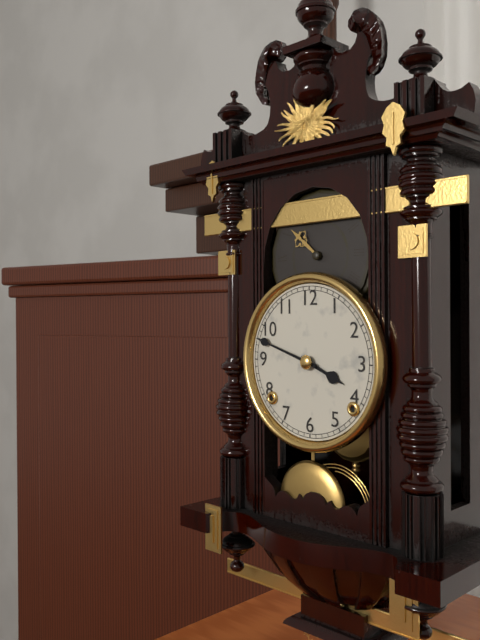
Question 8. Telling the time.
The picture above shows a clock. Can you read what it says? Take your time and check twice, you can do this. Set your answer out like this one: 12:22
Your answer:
3:48
